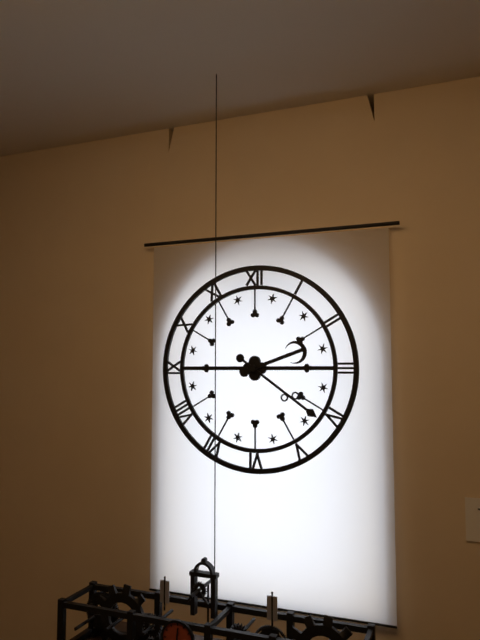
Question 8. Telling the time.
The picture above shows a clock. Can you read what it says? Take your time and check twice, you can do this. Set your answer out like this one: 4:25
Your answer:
2:21
